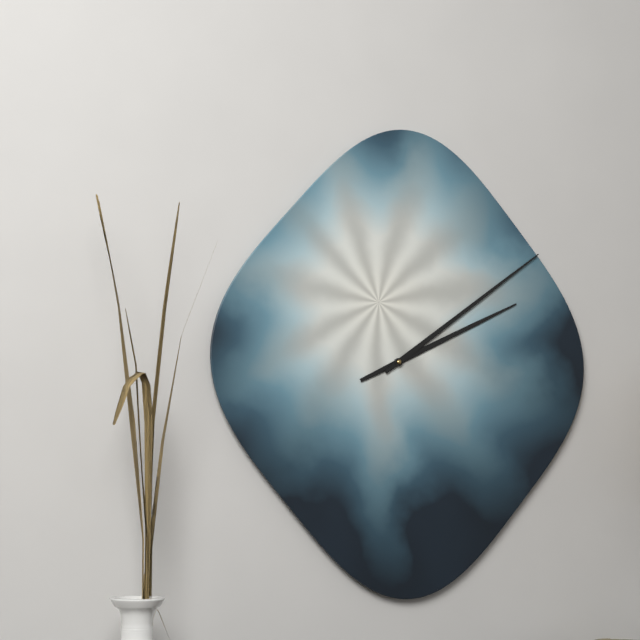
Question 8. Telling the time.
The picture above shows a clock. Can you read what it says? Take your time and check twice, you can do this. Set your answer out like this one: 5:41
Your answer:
2:09
